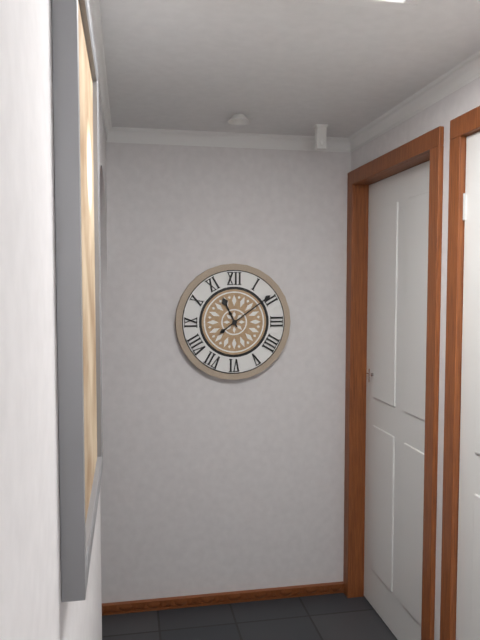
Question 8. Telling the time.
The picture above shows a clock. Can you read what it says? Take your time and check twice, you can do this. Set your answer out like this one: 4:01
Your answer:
11:09
